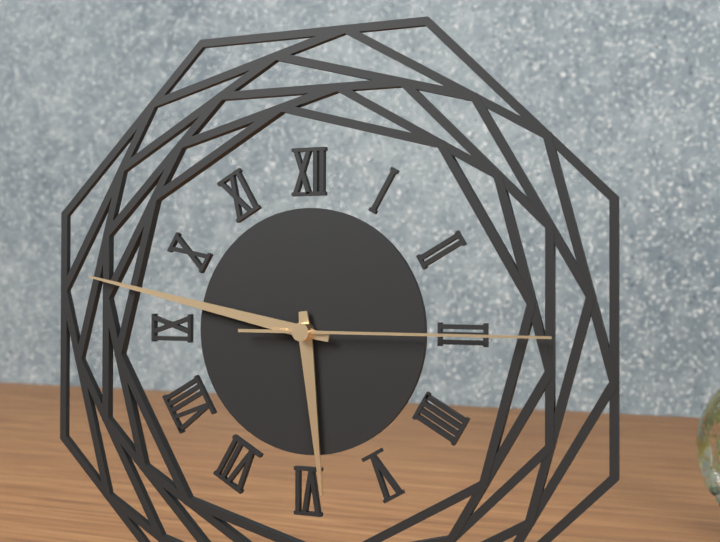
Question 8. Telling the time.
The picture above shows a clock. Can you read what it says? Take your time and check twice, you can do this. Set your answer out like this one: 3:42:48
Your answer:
5:47:15
